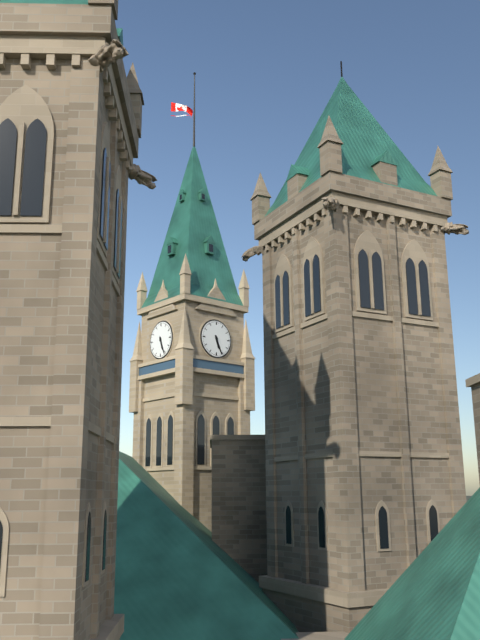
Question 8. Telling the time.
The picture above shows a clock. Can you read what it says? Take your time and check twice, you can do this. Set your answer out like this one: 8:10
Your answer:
5:26
